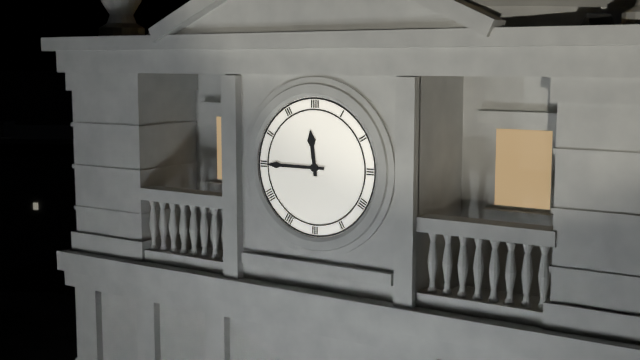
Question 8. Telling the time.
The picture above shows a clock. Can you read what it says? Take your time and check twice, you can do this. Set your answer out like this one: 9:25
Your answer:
11:45
